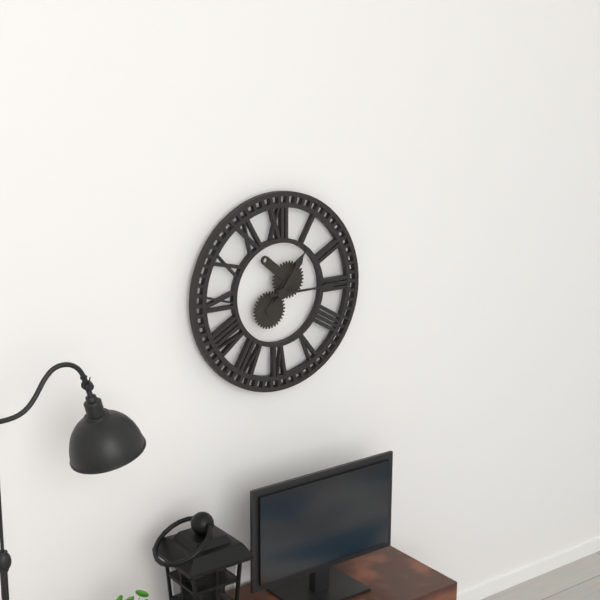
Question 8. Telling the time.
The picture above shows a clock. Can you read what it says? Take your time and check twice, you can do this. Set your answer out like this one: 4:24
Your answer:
1:15
